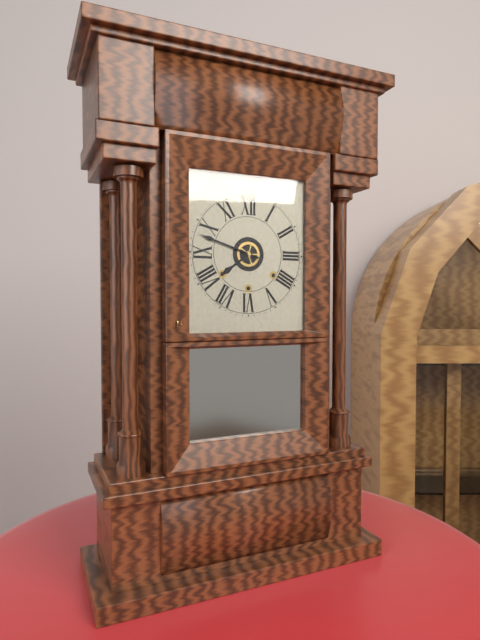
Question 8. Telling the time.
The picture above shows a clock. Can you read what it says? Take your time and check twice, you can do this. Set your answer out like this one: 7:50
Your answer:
7:48
